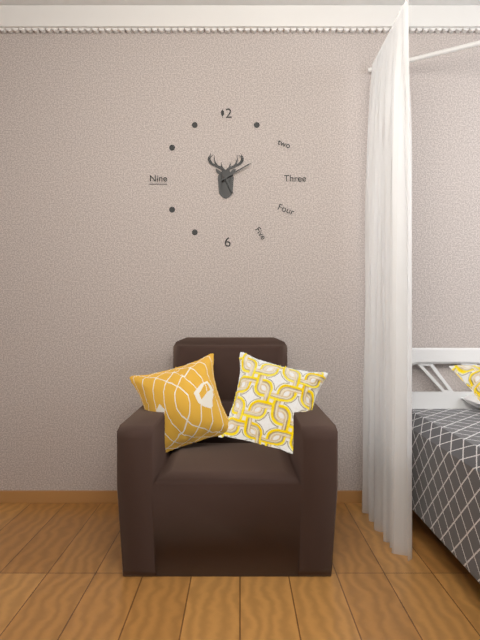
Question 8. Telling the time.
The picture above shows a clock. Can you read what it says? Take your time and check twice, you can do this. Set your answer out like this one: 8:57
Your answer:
5:10
